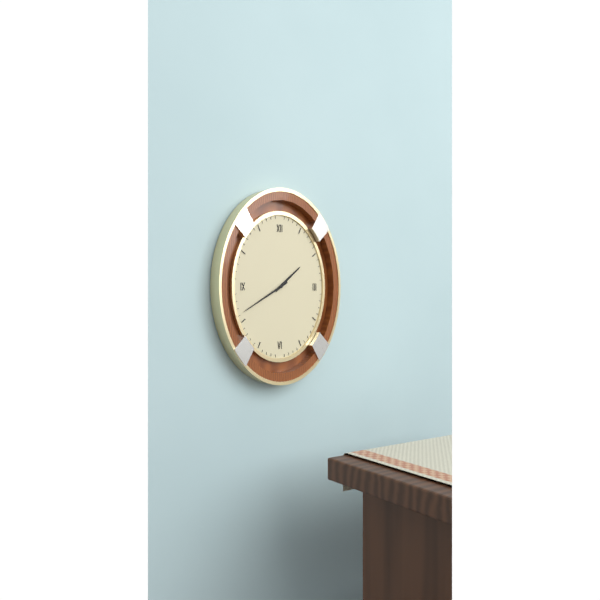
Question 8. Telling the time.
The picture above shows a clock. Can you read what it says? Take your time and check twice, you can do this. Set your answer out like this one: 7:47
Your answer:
1:40
